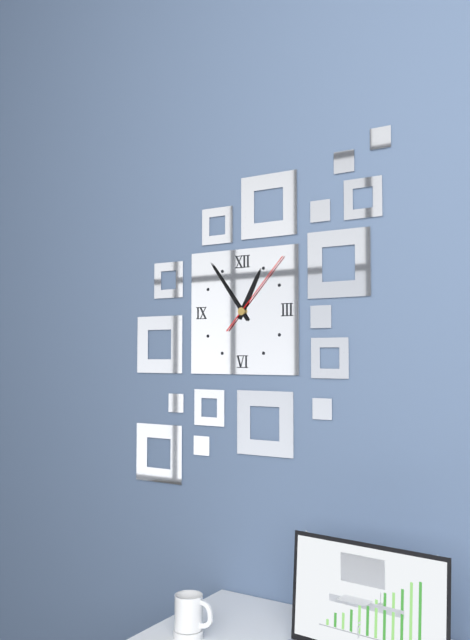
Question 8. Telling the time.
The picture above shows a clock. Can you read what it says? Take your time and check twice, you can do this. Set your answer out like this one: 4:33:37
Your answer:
12:54:07
